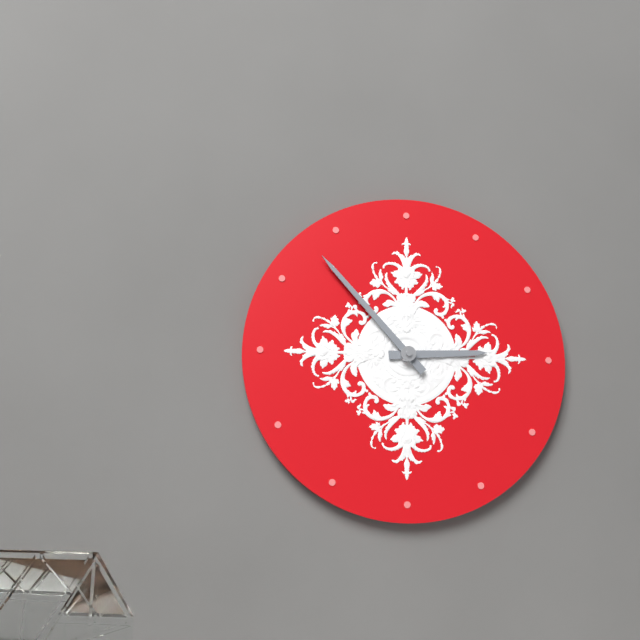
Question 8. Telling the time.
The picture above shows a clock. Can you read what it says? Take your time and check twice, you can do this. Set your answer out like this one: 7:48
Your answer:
2:53
